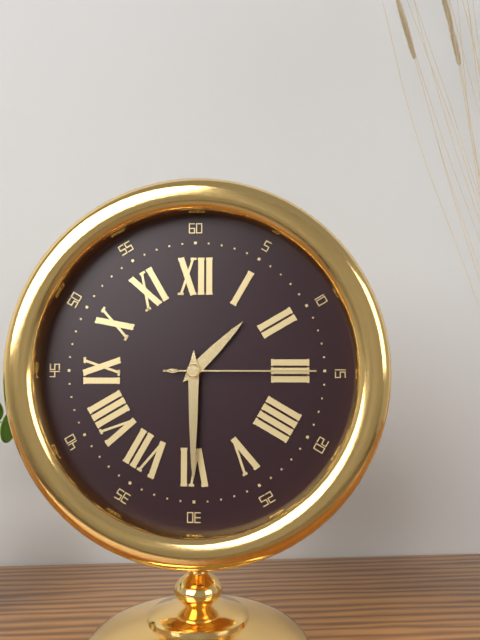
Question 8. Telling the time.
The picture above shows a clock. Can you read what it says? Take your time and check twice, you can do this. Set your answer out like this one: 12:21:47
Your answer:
1:30:15
